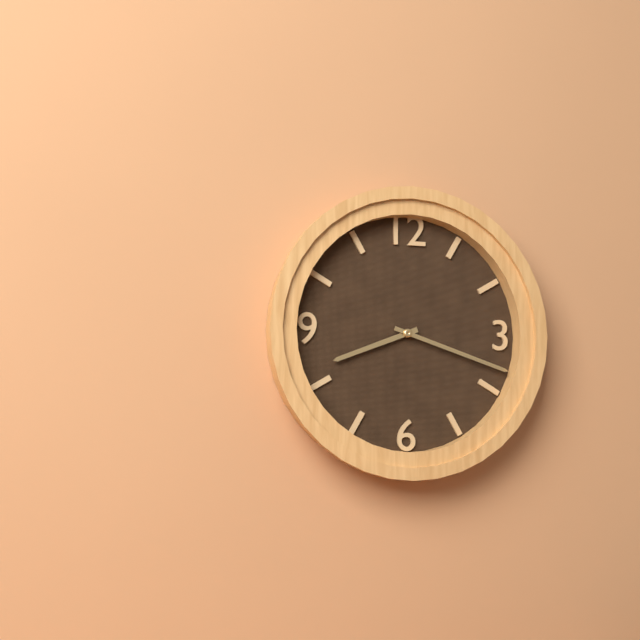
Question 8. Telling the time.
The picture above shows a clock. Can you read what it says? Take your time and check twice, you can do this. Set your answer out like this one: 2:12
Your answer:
8:18
